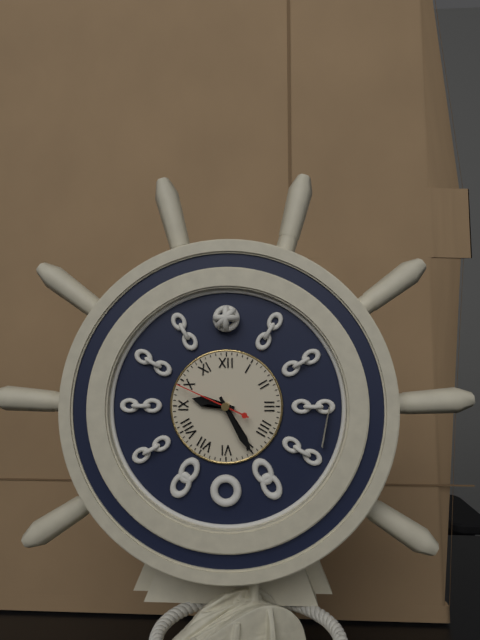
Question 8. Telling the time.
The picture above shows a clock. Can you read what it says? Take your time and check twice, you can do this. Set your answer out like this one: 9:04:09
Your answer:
9:25:49
